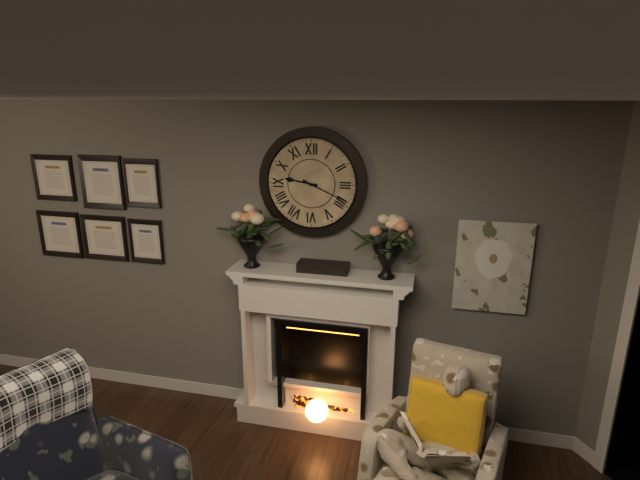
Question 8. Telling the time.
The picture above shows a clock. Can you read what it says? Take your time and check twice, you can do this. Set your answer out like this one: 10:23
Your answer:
9:19
